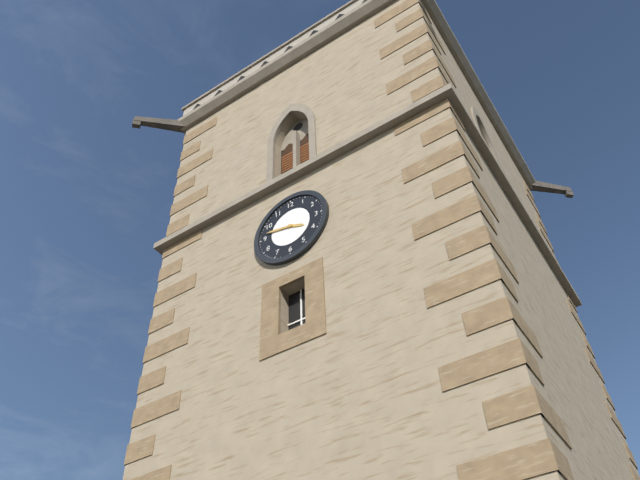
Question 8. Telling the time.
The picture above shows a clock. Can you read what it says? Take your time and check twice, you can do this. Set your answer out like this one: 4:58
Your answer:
3:47
